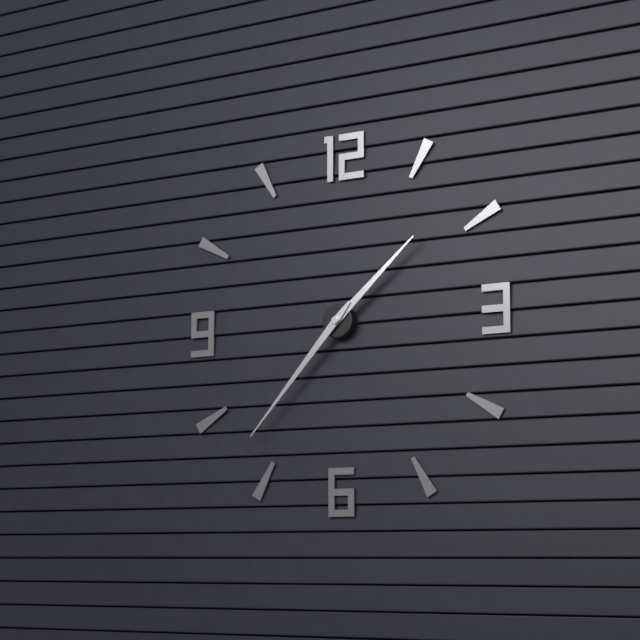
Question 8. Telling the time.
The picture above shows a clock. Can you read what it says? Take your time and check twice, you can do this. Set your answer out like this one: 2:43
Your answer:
1:37
